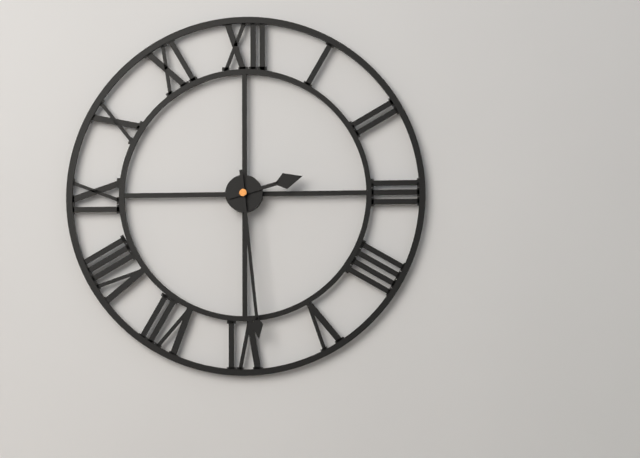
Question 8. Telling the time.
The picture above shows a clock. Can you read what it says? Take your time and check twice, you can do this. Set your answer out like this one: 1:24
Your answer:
2:29
